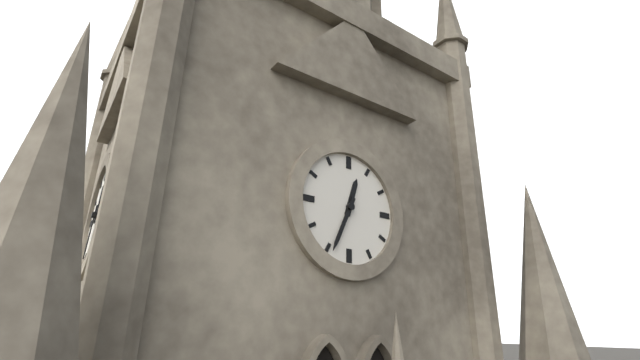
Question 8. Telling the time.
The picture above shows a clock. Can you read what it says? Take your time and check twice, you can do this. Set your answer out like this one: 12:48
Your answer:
12:34
